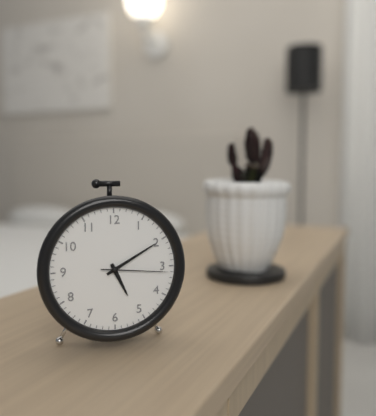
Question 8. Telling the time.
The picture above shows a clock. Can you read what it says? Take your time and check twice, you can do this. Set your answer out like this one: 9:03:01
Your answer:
5:10:16
